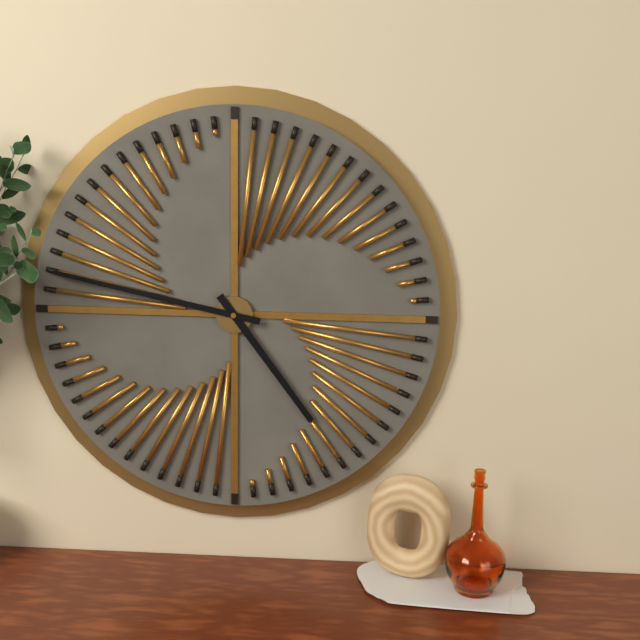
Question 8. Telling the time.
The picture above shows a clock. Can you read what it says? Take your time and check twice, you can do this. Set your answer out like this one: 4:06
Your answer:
4:47
